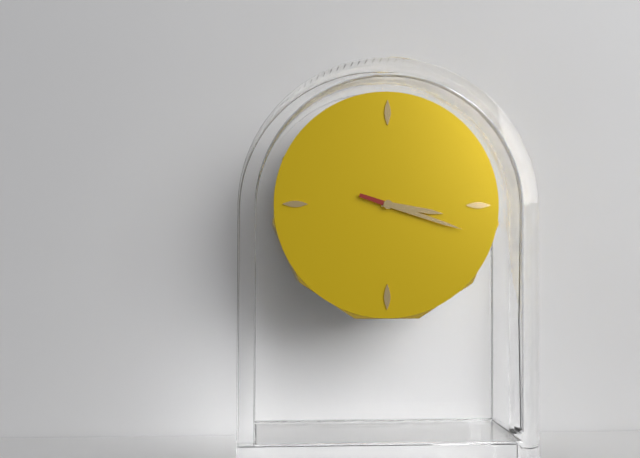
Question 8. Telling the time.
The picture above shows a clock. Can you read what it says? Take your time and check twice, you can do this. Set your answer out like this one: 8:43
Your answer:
3:18
